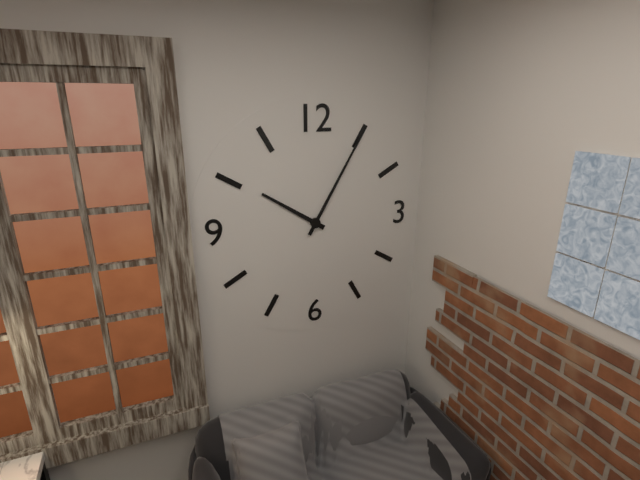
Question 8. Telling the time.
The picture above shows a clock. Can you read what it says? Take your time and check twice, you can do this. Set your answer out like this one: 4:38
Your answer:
10:05
